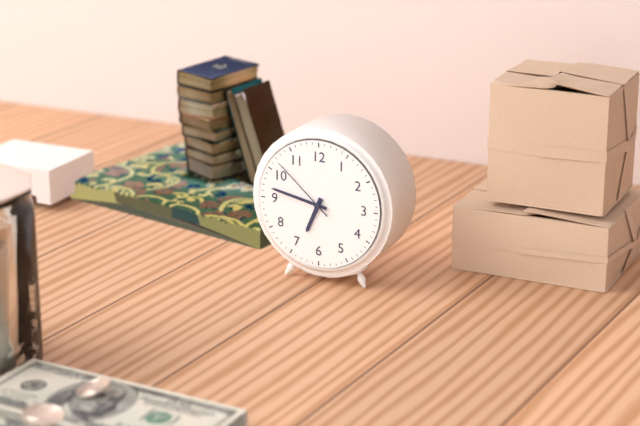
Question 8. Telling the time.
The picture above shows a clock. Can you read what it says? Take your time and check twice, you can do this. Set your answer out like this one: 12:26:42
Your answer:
6:47:52
